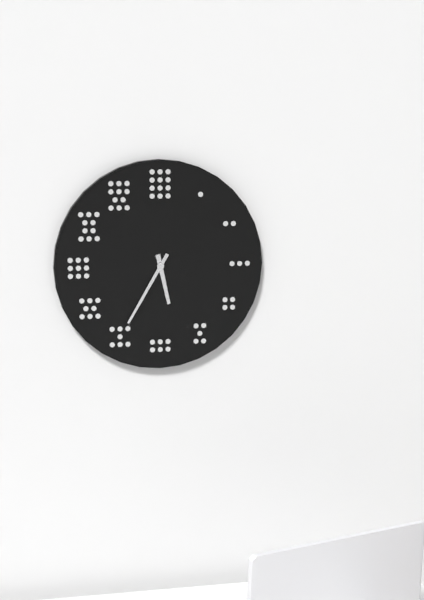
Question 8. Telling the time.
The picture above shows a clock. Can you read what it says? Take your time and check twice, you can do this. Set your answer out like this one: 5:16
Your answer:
5:35
